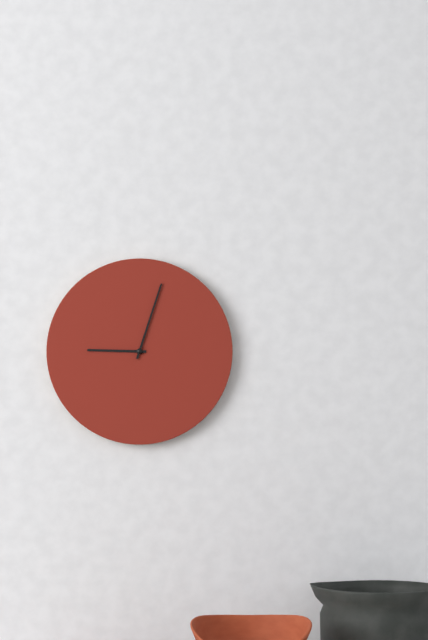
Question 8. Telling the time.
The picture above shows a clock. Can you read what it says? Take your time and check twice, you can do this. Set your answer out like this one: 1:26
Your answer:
9:03
